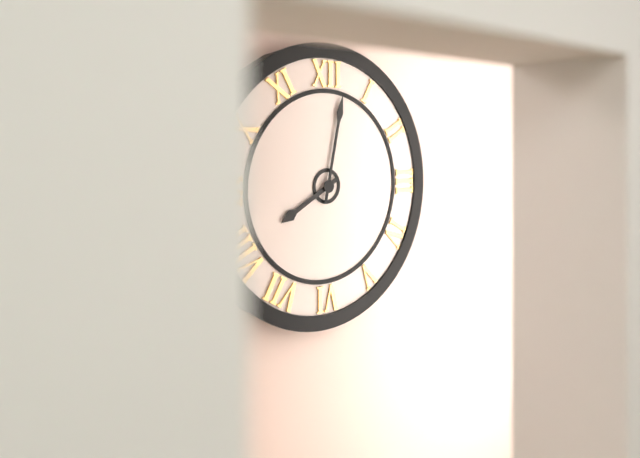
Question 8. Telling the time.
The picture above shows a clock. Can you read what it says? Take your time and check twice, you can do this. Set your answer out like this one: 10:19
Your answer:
8:02
